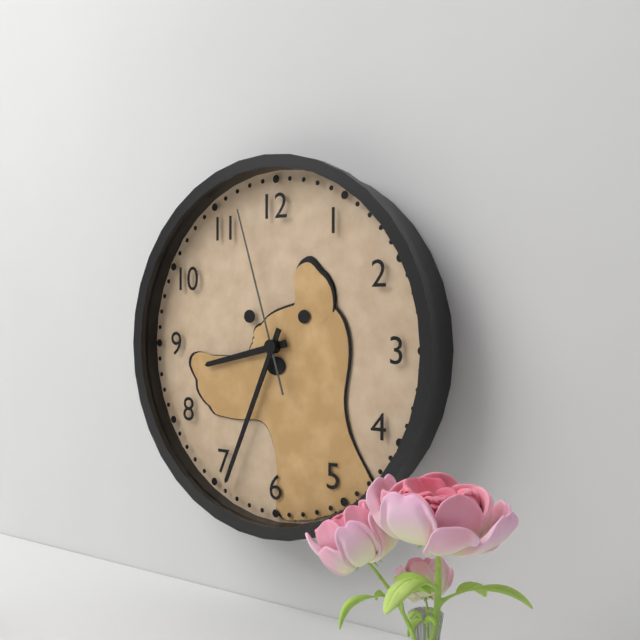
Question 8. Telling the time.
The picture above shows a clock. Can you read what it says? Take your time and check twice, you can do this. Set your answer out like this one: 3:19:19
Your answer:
8:34:57
